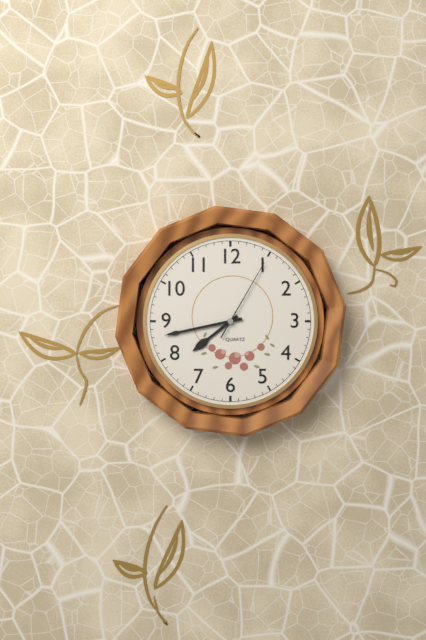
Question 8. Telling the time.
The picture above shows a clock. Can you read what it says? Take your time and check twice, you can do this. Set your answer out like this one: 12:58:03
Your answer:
7:43:05
